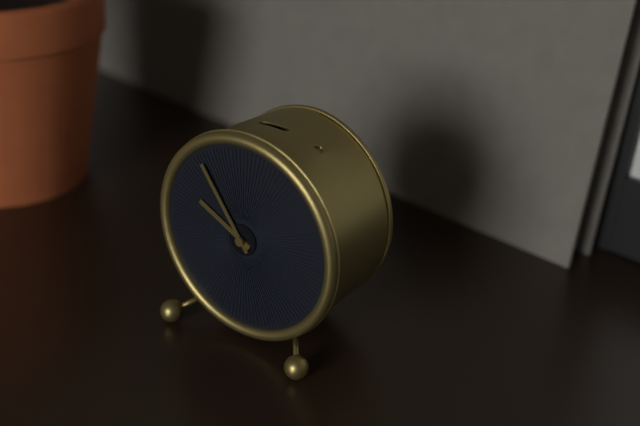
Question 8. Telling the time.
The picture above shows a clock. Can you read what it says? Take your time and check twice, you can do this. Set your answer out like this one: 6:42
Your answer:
9:54
